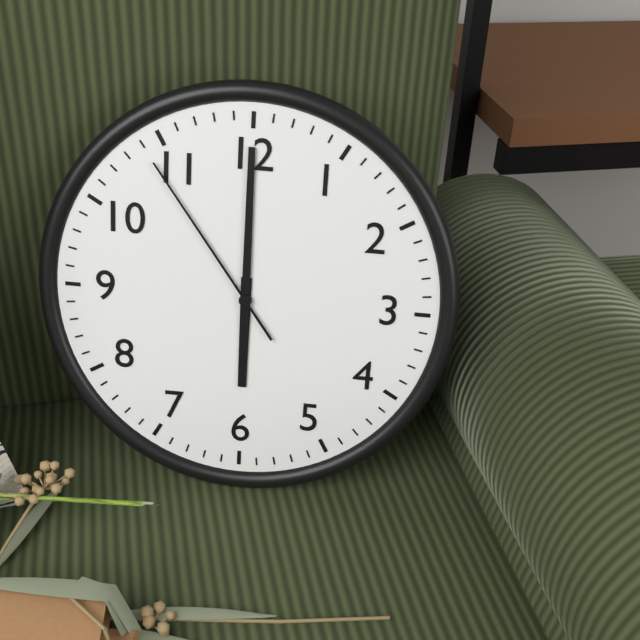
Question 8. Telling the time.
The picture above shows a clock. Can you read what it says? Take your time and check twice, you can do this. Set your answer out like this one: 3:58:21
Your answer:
6:00:54
